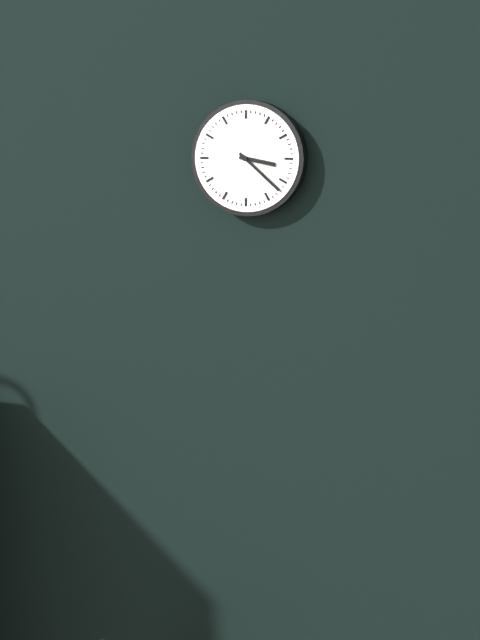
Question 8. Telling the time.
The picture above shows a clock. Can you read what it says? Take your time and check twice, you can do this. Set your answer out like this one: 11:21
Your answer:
3:22
